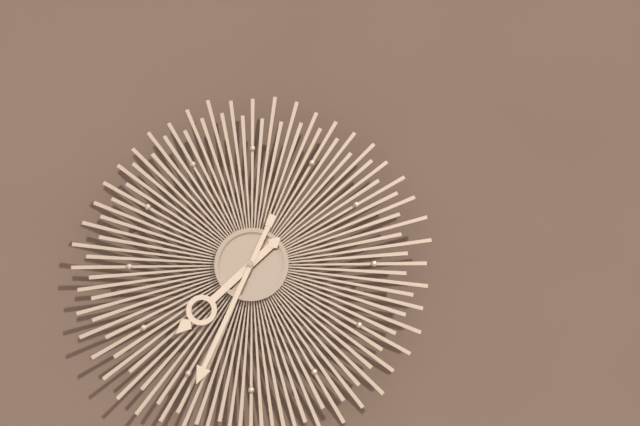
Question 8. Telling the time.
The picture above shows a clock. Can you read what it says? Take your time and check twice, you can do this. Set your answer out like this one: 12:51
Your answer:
7:34
